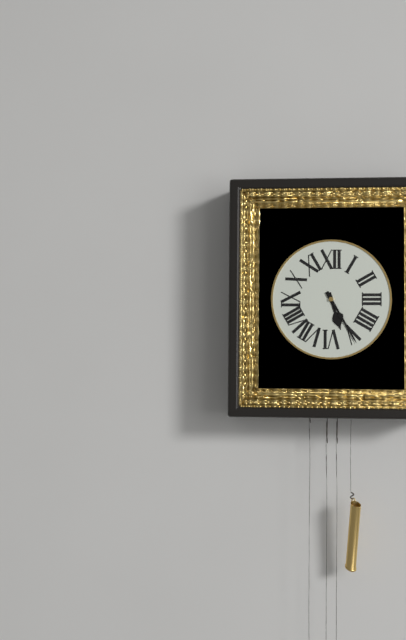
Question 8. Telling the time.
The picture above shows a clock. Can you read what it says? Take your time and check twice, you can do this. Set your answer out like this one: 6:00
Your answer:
5:25
